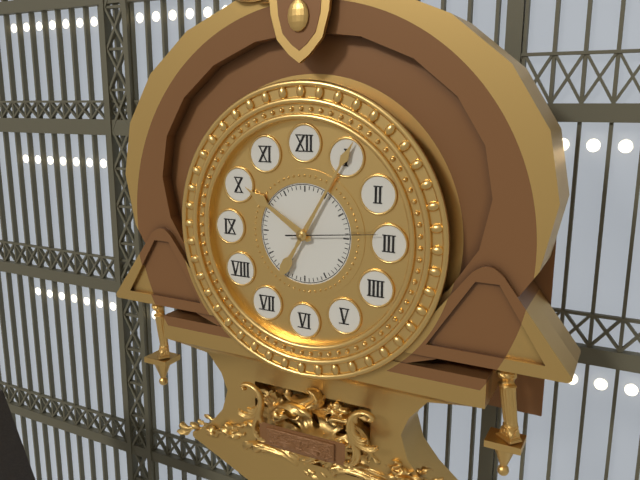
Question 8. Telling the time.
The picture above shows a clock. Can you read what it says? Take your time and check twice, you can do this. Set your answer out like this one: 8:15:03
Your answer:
10:05:14
